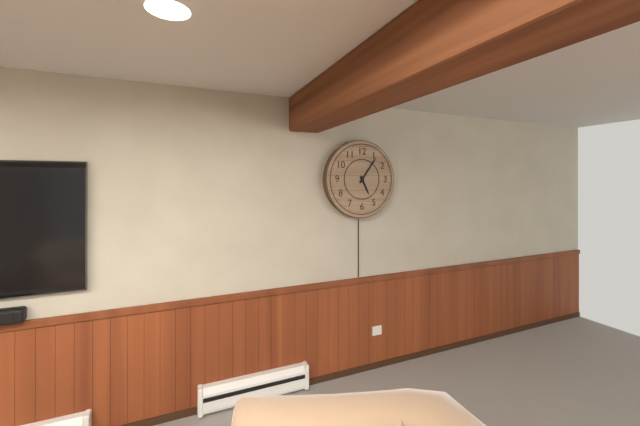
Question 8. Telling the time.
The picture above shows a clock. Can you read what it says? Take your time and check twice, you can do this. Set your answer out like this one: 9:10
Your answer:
5:06
